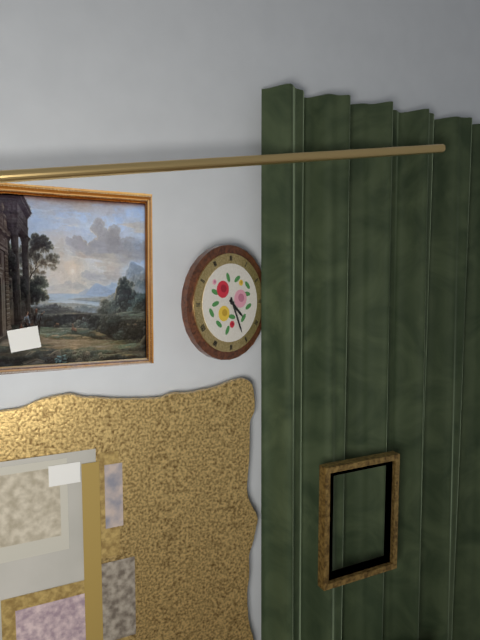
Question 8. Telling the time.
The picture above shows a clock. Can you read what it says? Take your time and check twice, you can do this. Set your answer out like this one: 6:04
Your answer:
4:26
